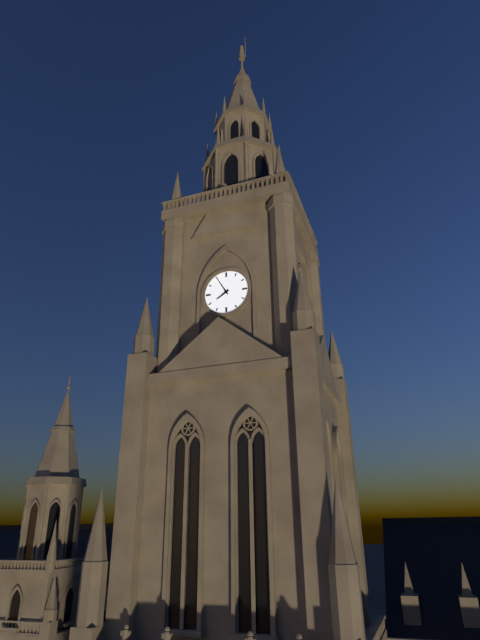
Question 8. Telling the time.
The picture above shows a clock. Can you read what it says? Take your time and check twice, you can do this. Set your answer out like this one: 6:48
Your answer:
7:55
